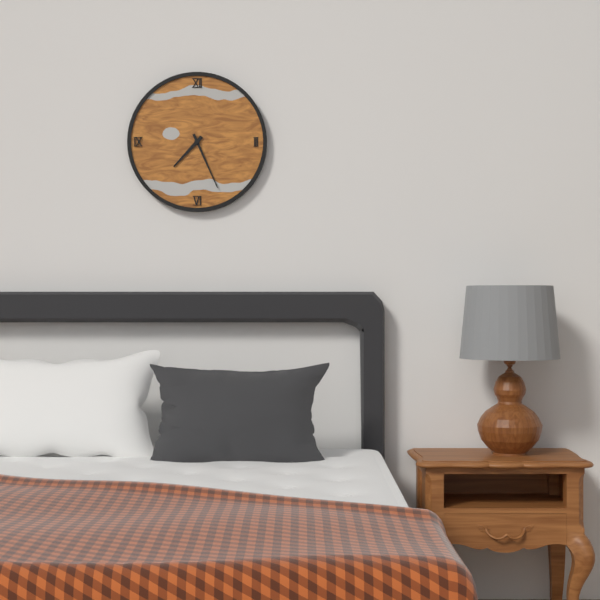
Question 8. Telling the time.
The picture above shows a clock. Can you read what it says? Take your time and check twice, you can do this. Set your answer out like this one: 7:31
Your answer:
7:26
